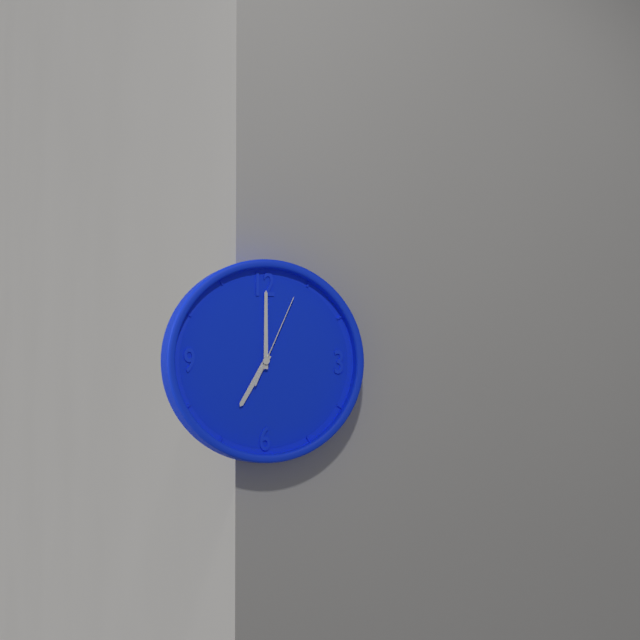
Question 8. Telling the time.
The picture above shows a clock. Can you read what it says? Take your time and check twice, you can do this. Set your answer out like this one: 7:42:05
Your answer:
7:00:04
